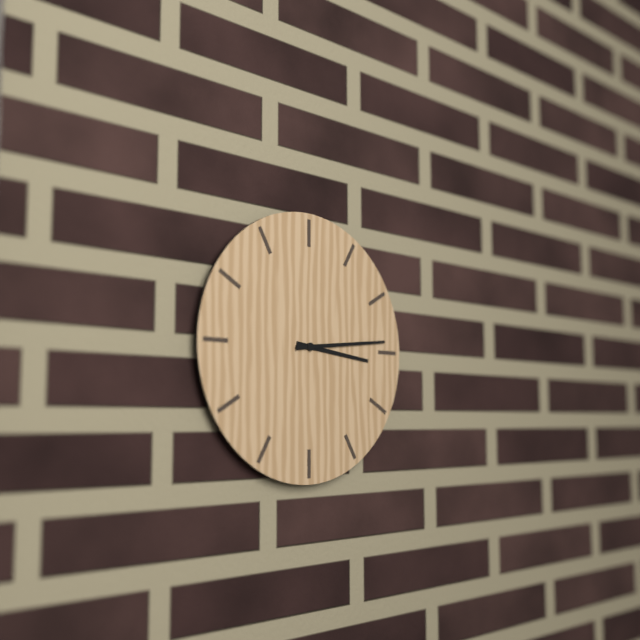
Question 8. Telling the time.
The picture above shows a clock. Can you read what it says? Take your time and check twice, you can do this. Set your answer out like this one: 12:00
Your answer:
3:14
